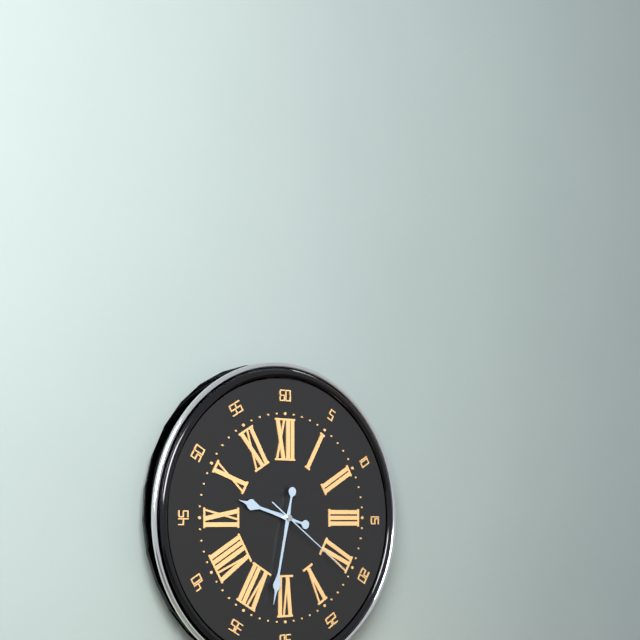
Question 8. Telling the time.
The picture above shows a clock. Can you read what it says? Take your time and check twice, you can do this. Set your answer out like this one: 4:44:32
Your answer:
9:32:21
